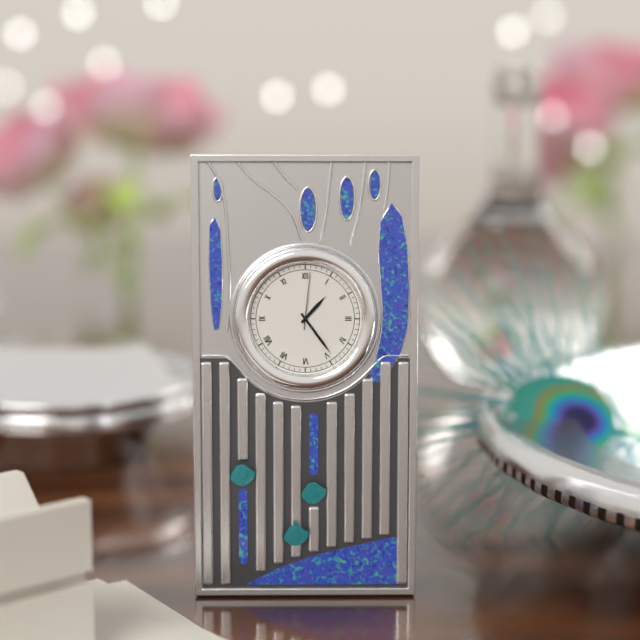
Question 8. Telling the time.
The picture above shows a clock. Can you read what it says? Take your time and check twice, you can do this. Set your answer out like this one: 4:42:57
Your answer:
1:24:01
